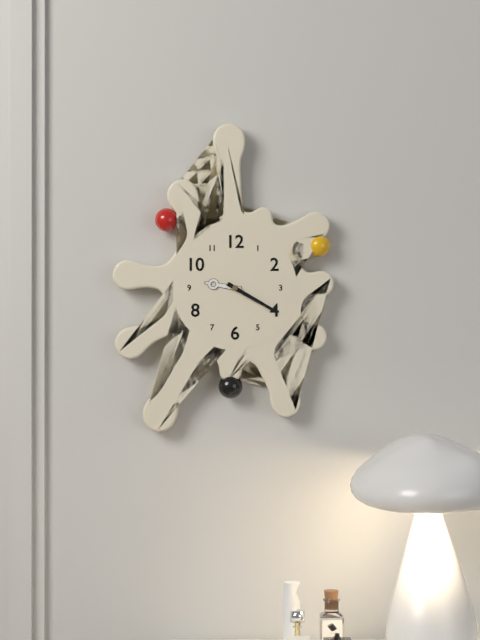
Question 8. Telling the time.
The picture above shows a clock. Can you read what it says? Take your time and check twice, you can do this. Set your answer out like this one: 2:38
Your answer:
9:20
